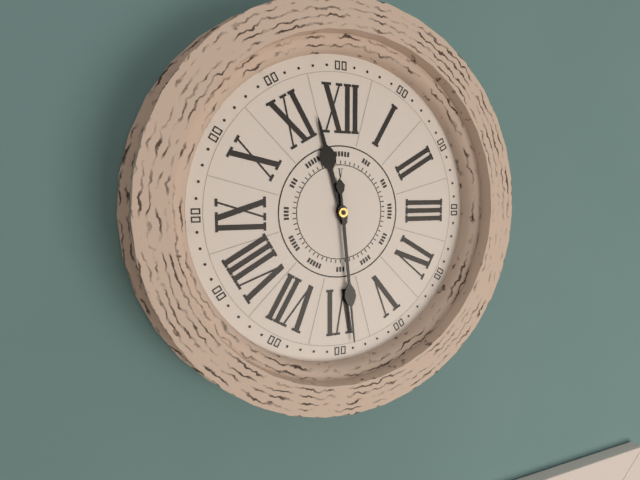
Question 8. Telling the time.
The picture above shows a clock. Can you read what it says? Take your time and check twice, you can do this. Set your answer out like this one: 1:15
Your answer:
11:29
